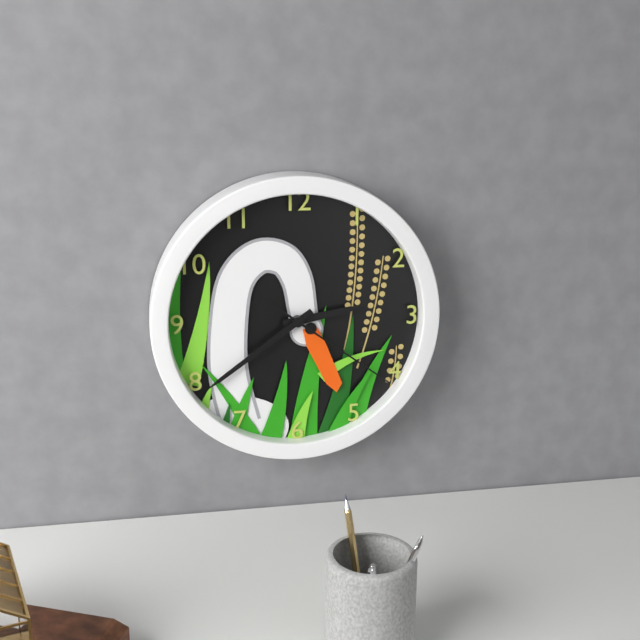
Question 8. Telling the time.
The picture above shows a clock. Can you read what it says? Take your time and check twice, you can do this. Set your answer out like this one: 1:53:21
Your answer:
2:39:21
